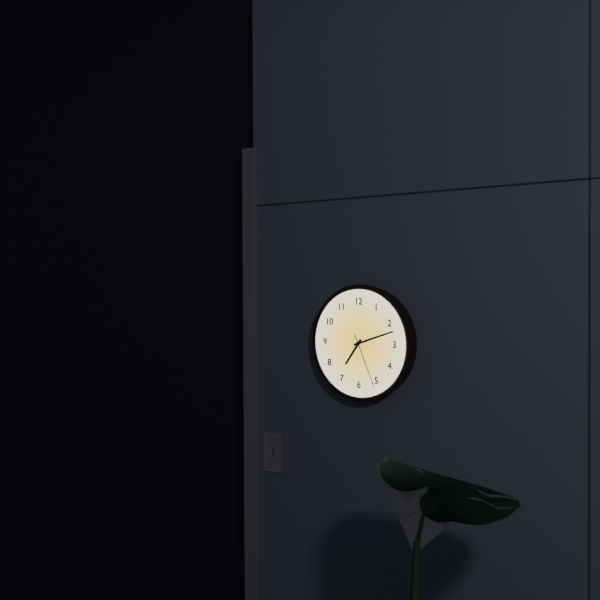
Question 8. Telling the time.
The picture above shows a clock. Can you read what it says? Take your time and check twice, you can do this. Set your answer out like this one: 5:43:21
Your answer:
7:12:26
